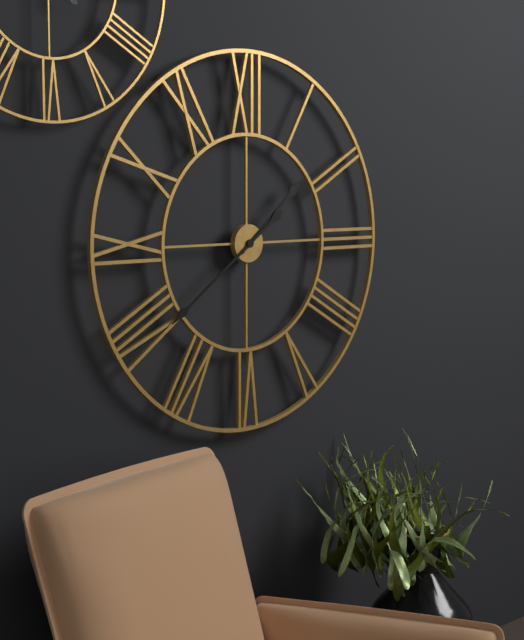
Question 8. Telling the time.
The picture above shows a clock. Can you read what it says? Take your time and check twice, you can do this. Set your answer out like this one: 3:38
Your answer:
1:39
